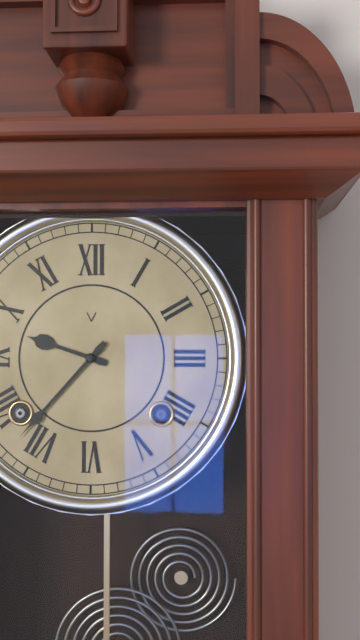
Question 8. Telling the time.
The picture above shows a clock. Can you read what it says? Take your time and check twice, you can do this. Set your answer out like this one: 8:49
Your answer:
9:37
